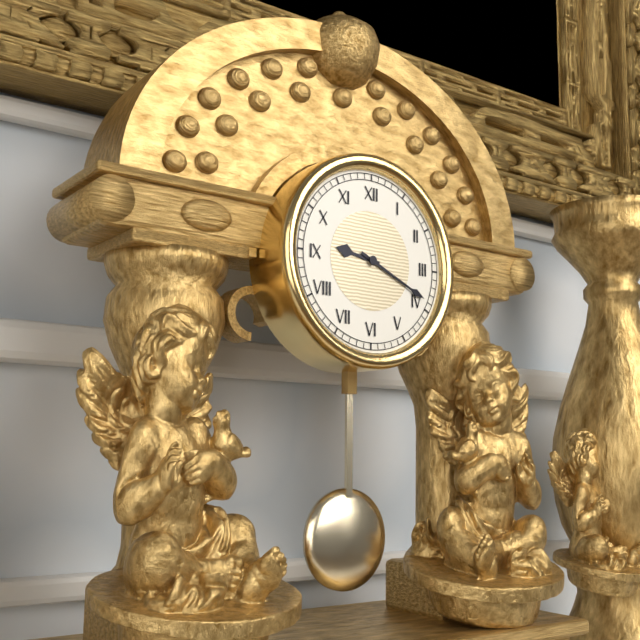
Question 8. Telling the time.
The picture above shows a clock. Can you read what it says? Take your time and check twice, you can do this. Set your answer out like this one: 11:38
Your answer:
9:19
